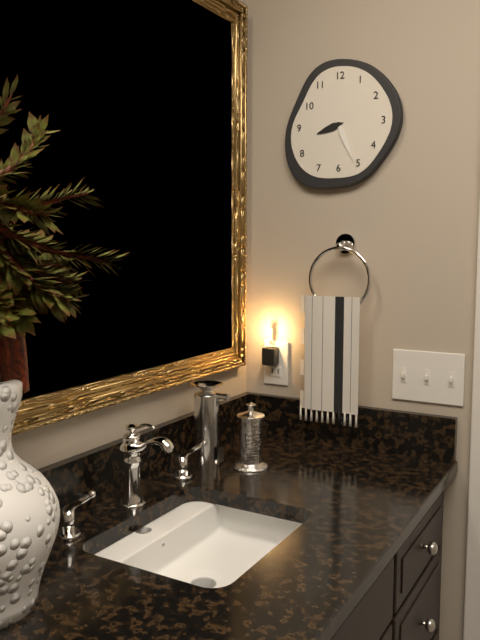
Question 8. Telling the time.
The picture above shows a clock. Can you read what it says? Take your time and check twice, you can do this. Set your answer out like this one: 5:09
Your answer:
8:26
